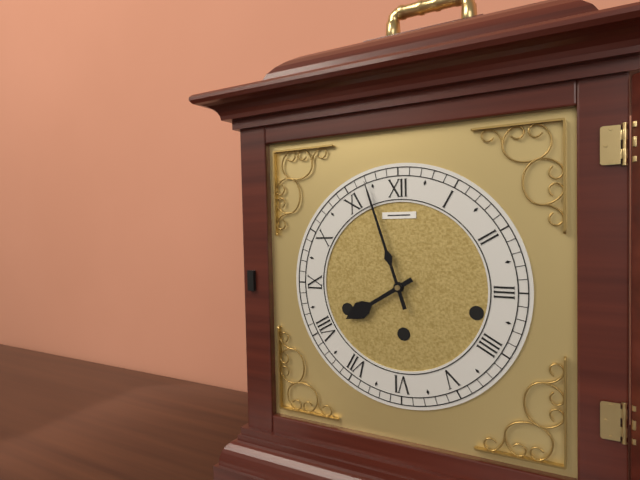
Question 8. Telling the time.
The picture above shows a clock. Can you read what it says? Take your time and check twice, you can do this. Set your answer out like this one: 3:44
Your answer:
7:57
